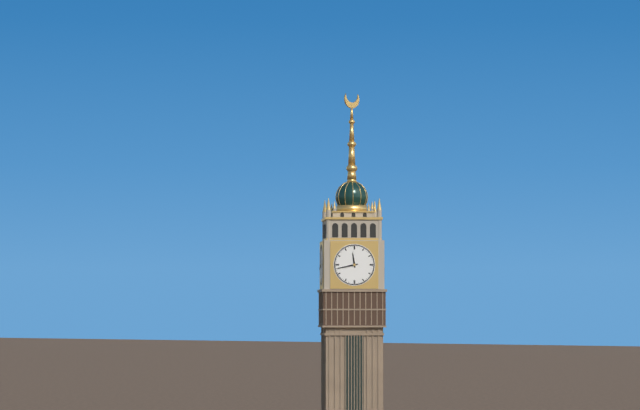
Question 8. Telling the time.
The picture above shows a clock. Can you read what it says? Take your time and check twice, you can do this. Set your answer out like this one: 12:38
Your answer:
11:43
